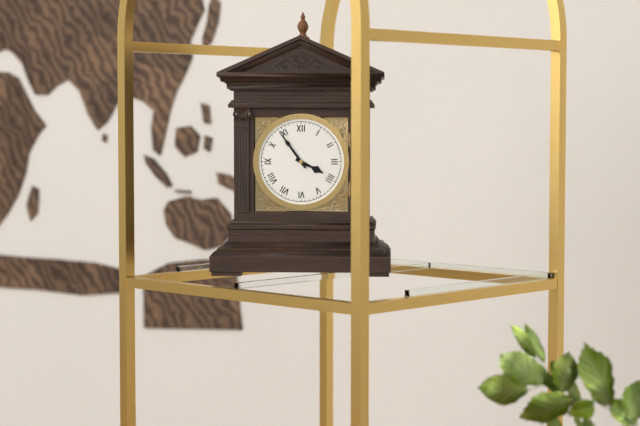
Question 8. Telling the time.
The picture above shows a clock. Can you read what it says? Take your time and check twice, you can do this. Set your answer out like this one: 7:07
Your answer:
3:54
